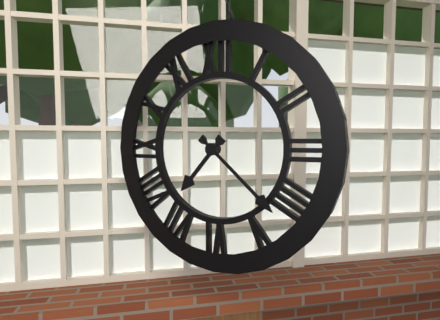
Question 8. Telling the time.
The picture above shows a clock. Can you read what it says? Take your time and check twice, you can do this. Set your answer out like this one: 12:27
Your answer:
7:22
